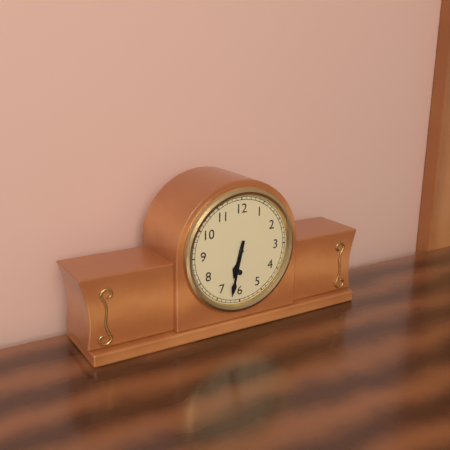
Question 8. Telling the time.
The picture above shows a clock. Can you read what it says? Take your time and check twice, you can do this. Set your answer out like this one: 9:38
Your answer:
6:32
